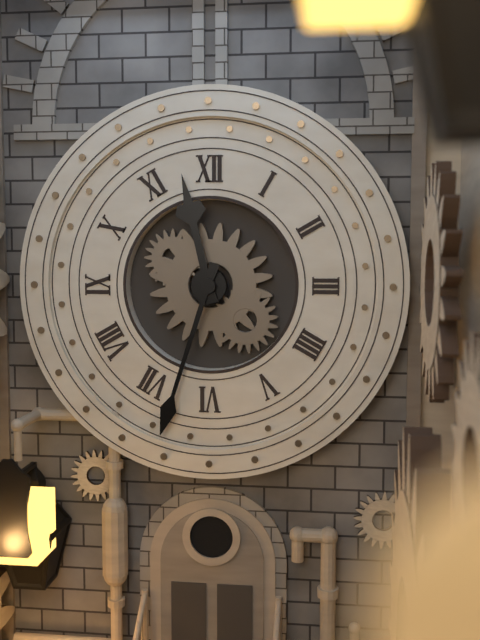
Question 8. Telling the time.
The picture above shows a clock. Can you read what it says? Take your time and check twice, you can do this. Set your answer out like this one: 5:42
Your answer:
11:33
